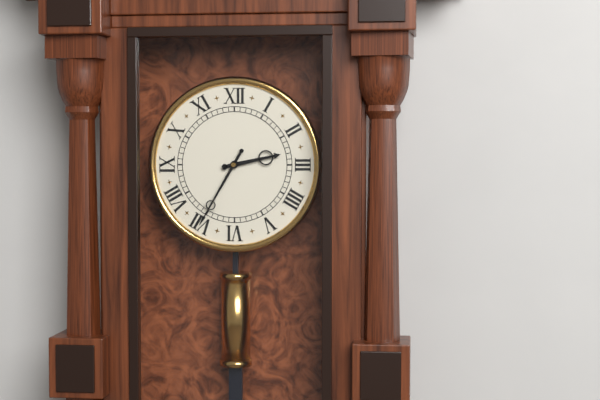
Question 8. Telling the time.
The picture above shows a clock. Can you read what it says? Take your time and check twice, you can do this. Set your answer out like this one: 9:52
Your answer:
2:35
